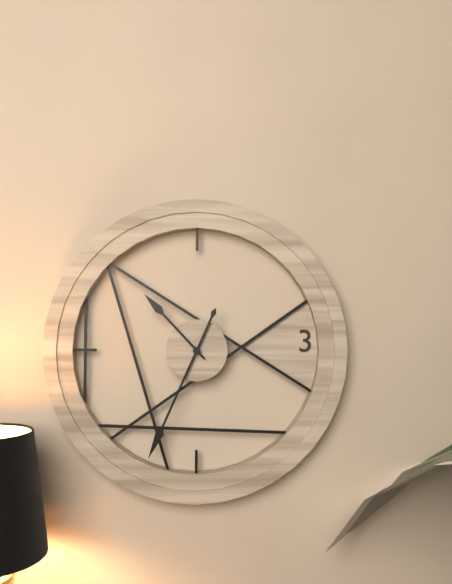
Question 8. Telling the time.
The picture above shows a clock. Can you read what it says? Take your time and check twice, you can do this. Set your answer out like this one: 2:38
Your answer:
10:34
